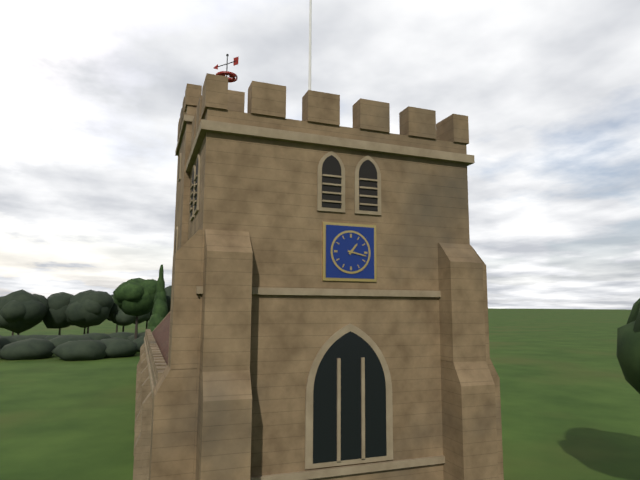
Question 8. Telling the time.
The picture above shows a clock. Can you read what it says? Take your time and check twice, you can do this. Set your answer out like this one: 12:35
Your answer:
1:17
